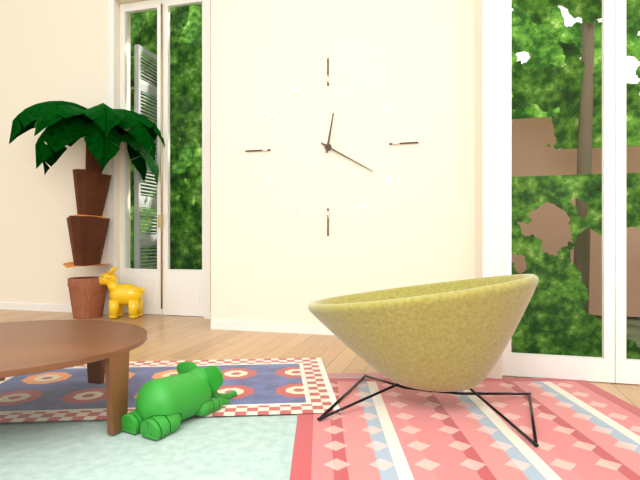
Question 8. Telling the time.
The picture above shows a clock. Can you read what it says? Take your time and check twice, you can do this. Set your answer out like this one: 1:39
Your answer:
12:20
